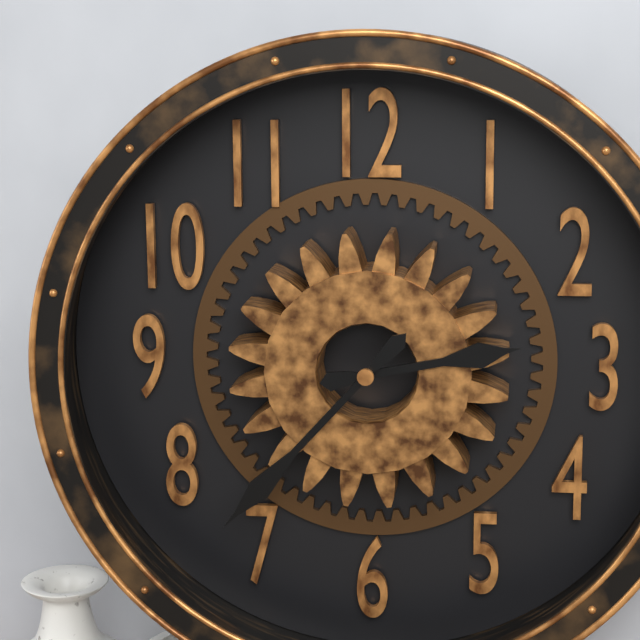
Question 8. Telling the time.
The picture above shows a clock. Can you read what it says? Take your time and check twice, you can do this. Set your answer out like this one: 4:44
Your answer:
2:37
